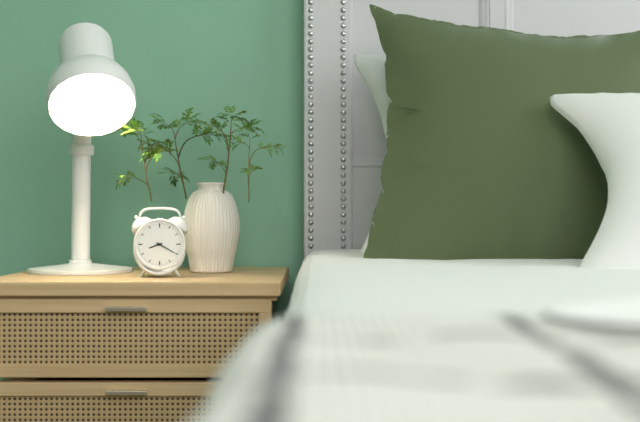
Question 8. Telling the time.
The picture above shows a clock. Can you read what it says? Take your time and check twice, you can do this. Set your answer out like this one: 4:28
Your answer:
8:20
